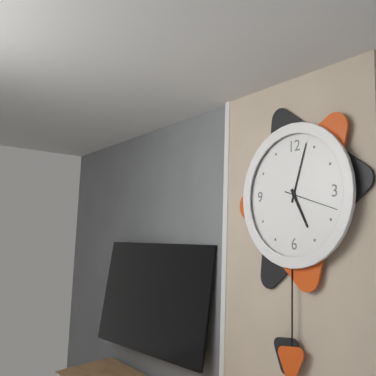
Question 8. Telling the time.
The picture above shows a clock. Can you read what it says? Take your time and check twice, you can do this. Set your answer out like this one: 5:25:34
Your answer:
5:03:18
